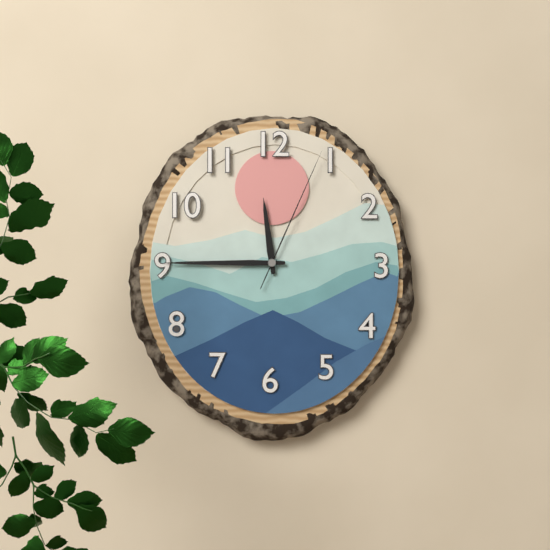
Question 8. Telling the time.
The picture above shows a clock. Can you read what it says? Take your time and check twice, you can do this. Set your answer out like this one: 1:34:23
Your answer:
11:45:04
